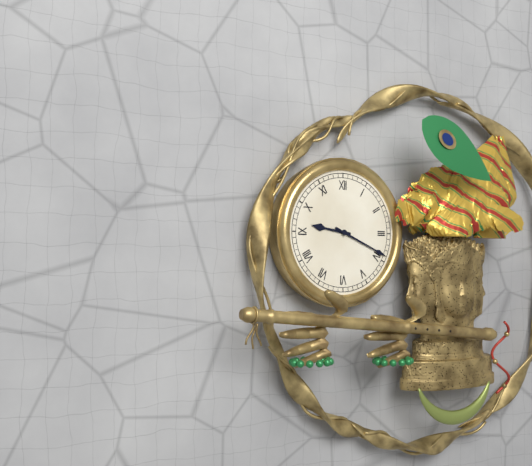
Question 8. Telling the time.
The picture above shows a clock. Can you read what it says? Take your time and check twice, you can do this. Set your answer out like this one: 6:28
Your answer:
9:19
